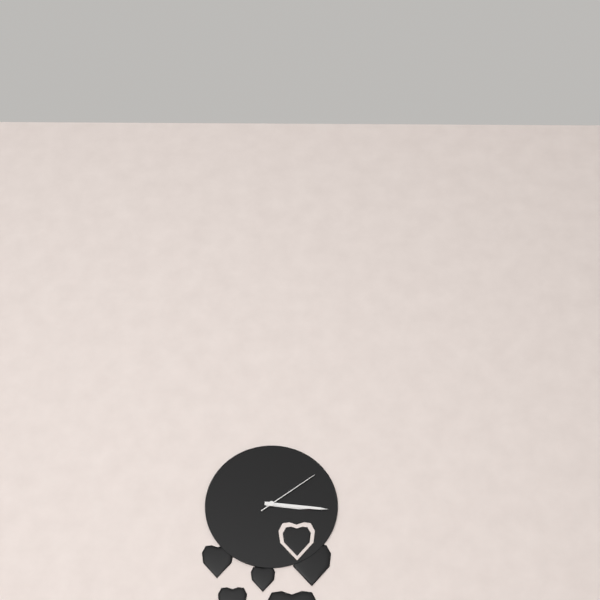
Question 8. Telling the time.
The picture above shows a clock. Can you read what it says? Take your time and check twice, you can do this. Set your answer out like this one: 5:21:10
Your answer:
3:16:09
